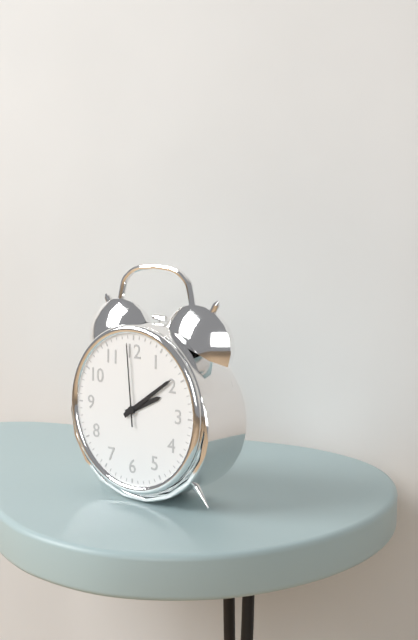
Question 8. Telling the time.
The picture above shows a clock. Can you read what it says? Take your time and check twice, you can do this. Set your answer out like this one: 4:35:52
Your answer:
2:09:59
